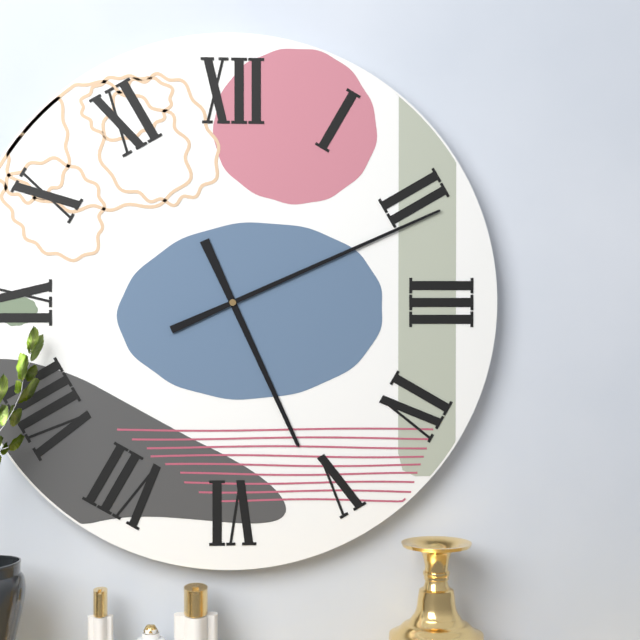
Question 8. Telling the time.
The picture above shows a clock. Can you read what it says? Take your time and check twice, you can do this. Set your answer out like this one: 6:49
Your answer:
5:11
